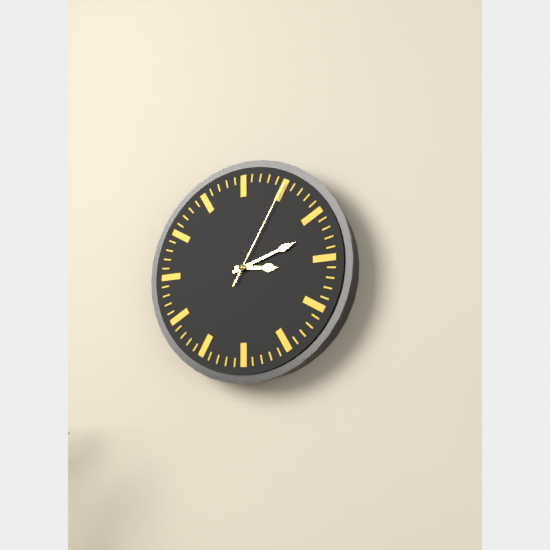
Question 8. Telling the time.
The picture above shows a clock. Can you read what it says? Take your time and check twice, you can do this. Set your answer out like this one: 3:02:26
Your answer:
3:12:05
